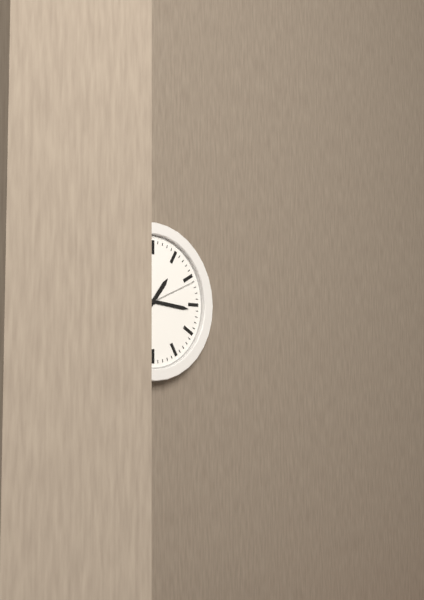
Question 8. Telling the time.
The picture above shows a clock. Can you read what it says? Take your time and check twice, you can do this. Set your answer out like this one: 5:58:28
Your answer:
1:16:11
